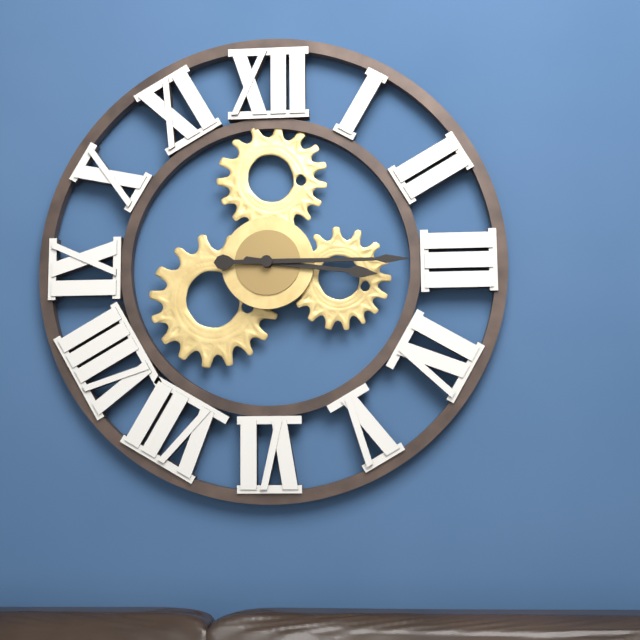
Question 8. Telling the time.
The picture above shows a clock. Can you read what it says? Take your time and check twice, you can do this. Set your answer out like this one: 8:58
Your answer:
3:15
